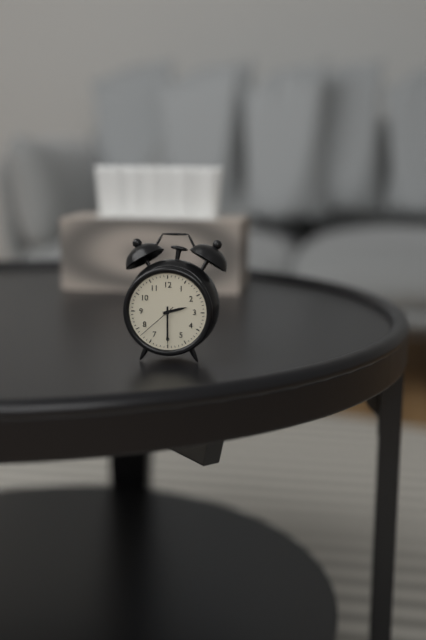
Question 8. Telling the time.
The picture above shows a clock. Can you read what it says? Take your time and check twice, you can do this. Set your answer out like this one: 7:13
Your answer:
2:30
